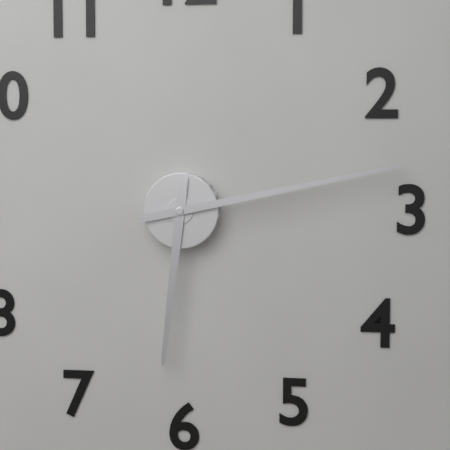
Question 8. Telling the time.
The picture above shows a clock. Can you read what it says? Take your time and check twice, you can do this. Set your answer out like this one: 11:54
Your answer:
6:13
